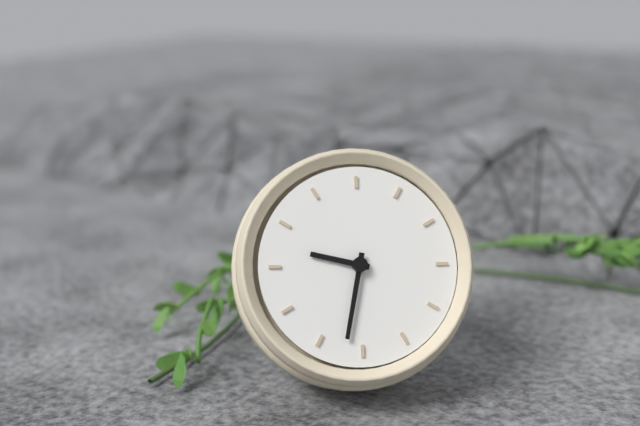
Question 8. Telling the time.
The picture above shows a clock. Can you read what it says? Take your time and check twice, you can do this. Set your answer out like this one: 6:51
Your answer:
8:27
